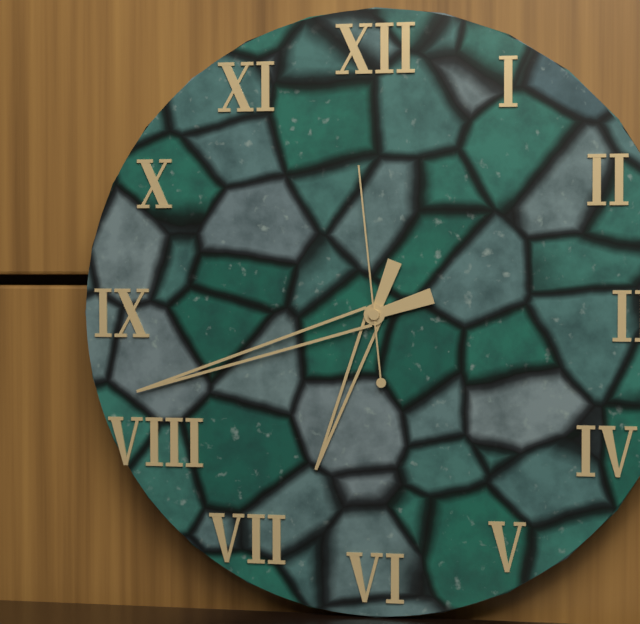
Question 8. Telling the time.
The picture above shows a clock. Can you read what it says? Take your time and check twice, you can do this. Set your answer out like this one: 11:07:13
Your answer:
6:42:59
